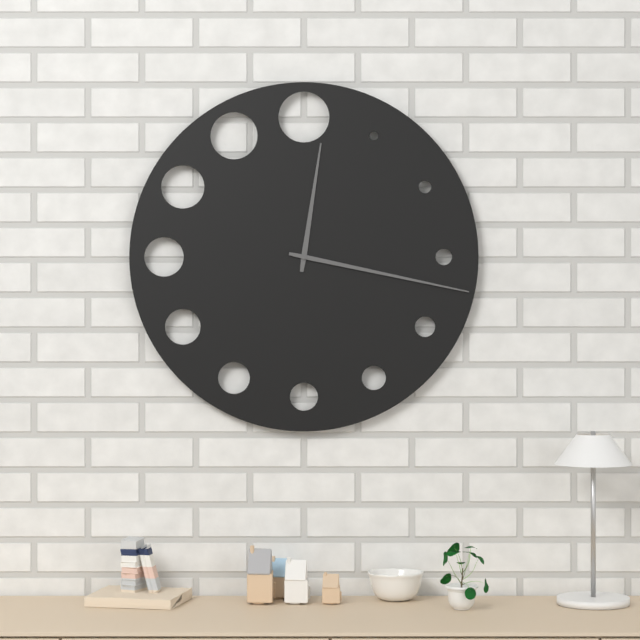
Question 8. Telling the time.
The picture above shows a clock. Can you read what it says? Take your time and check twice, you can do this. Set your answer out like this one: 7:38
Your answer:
12:17
